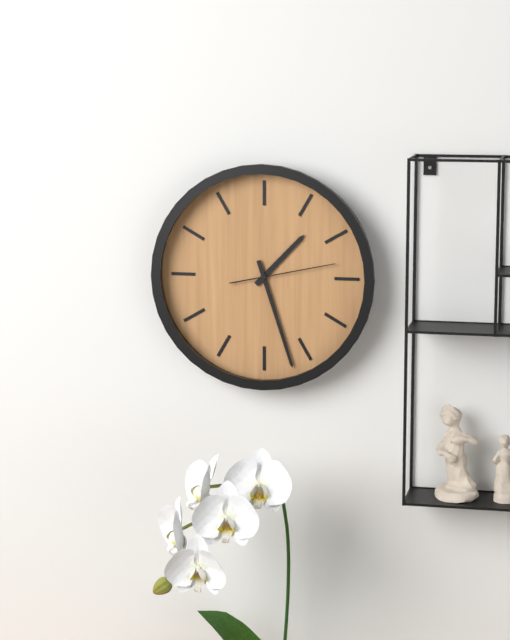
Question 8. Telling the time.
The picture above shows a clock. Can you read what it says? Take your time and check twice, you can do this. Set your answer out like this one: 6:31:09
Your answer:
1:27:13
